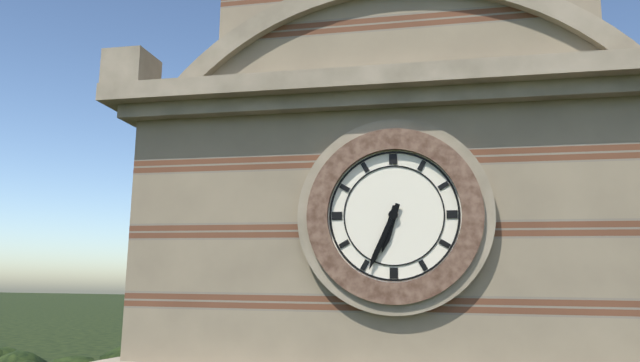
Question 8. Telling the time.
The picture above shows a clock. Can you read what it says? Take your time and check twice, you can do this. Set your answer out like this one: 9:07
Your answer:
6:34
